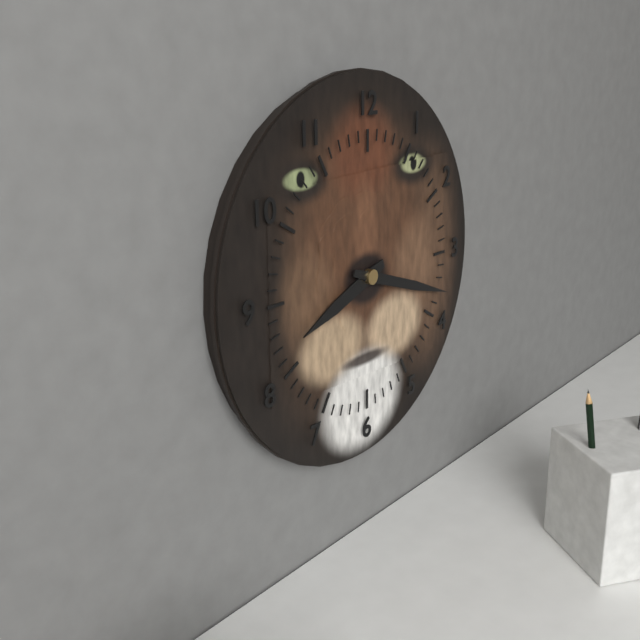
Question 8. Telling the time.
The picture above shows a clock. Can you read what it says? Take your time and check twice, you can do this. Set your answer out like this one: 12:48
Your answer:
8:18
